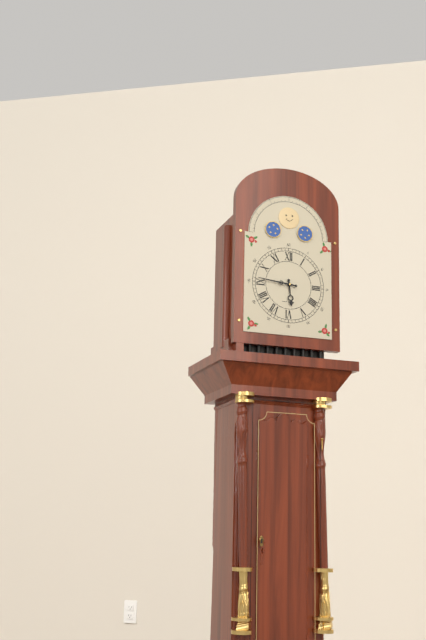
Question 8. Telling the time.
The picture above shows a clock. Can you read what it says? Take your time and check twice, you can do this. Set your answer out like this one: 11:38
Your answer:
5:46
